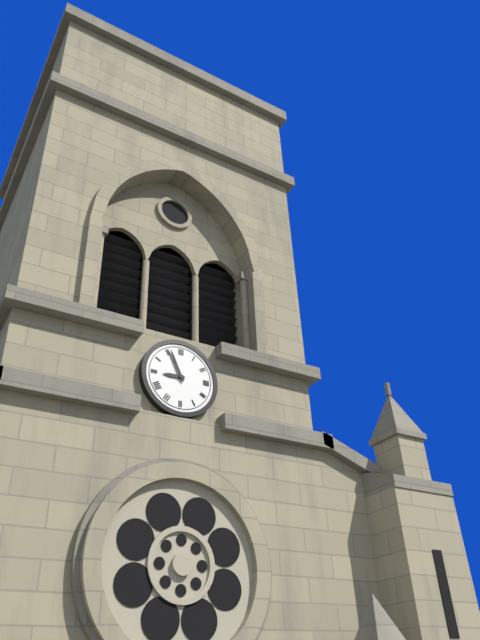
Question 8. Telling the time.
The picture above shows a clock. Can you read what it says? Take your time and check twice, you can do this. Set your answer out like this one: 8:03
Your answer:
8:56
